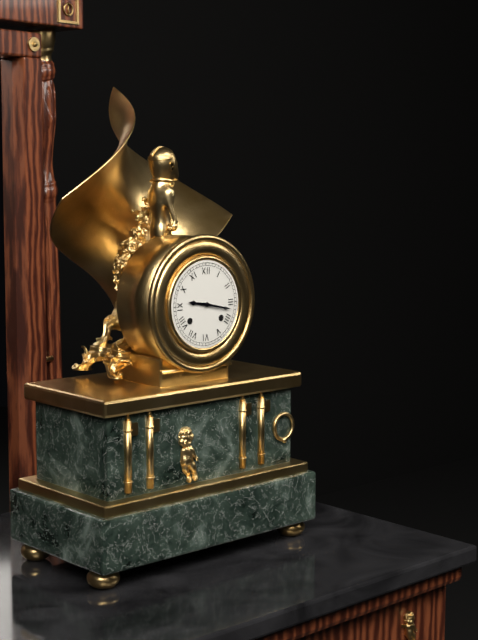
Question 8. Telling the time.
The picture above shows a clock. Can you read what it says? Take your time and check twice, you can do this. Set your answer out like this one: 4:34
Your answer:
9:17
